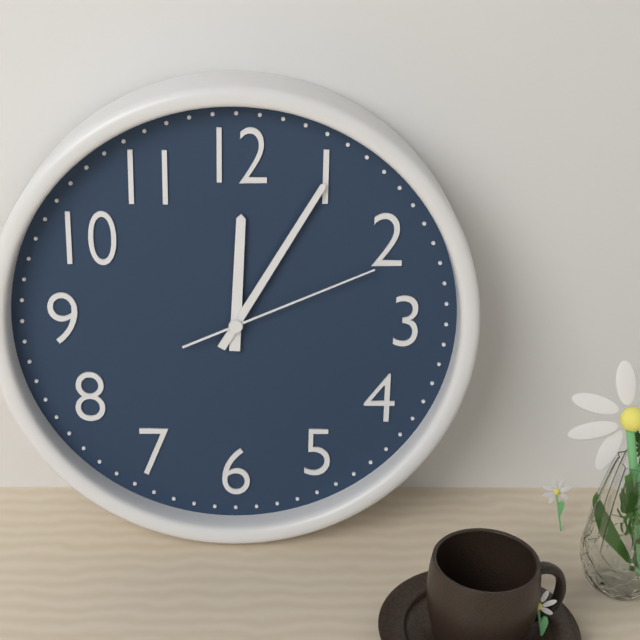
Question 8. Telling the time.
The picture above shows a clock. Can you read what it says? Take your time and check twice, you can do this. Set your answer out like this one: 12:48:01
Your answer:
12:05:11
